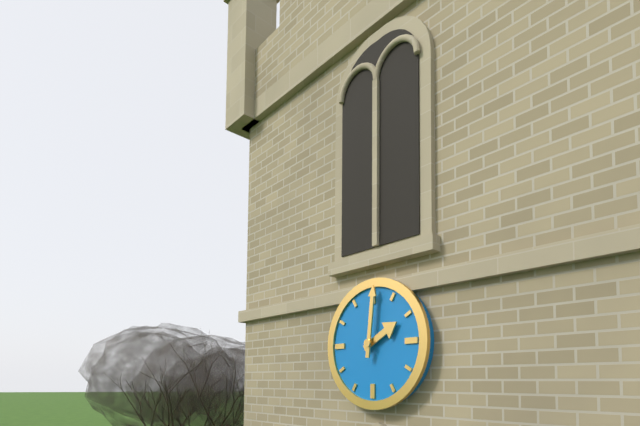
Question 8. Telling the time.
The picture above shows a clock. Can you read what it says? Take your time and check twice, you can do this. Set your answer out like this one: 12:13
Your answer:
2:01
